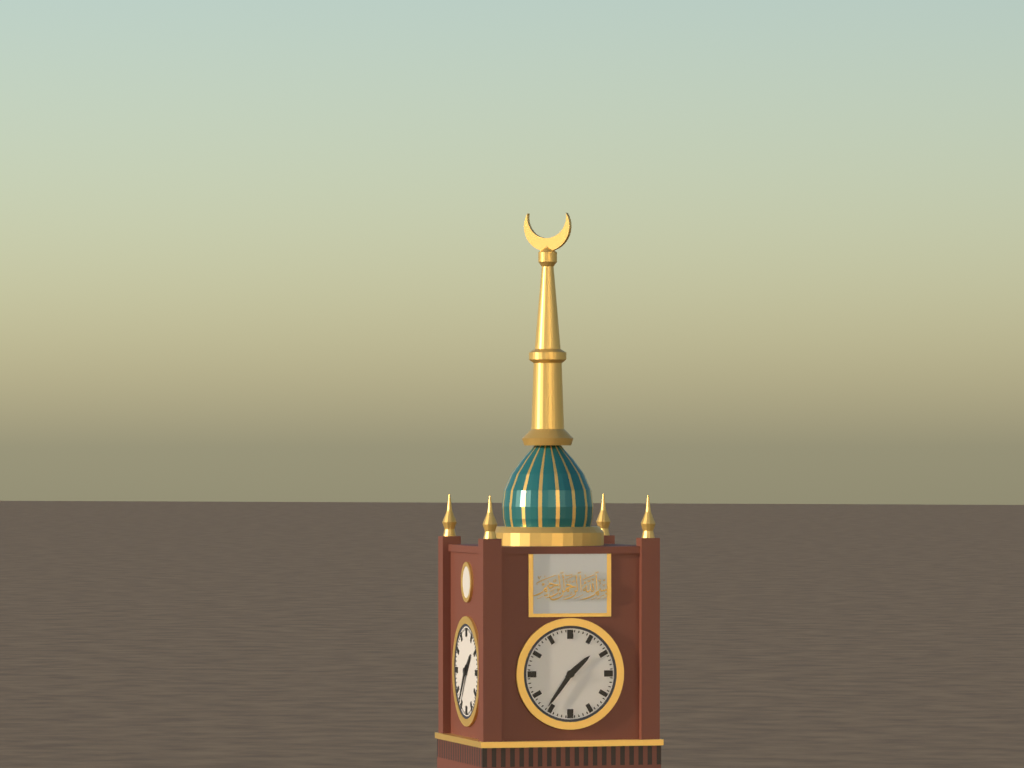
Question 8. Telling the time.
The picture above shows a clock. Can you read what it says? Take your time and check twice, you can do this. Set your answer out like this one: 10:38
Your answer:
1:36
